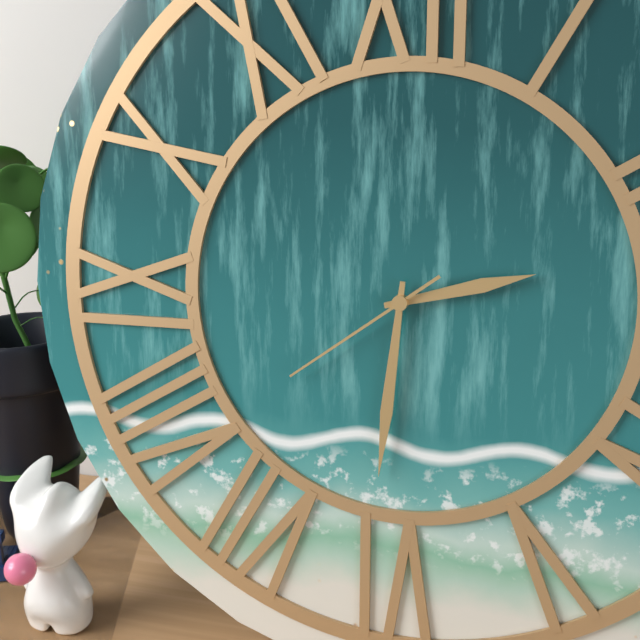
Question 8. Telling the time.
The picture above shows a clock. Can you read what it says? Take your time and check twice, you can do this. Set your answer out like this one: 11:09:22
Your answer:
2:31:39
